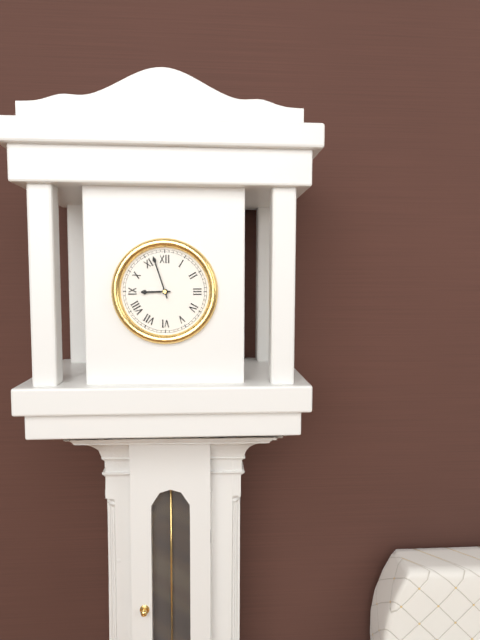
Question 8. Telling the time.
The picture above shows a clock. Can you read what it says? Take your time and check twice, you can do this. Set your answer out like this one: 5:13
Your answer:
8:57
